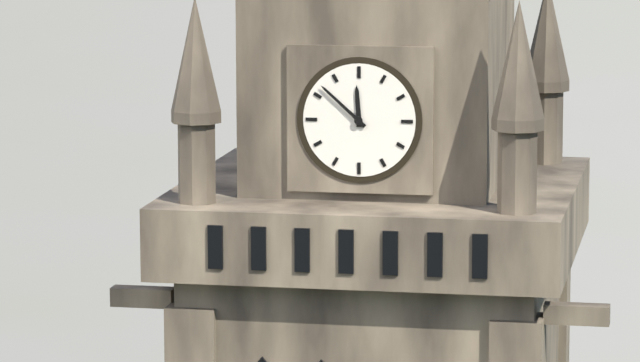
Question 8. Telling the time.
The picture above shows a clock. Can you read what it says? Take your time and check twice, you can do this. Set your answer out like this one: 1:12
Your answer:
11:52
